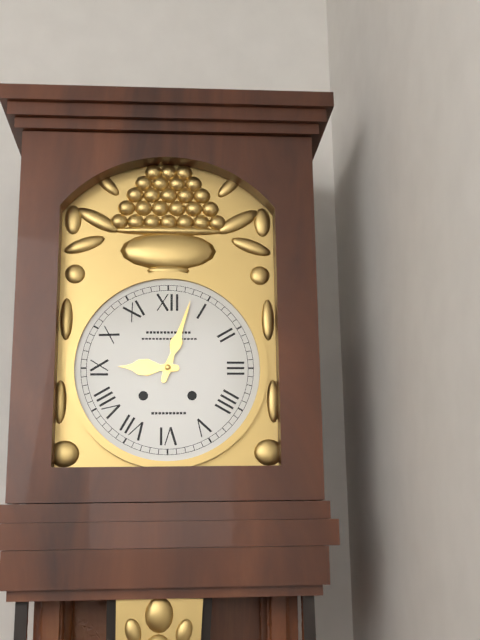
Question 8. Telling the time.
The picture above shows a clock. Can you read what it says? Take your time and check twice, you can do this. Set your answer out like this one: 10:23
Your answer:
9:03
